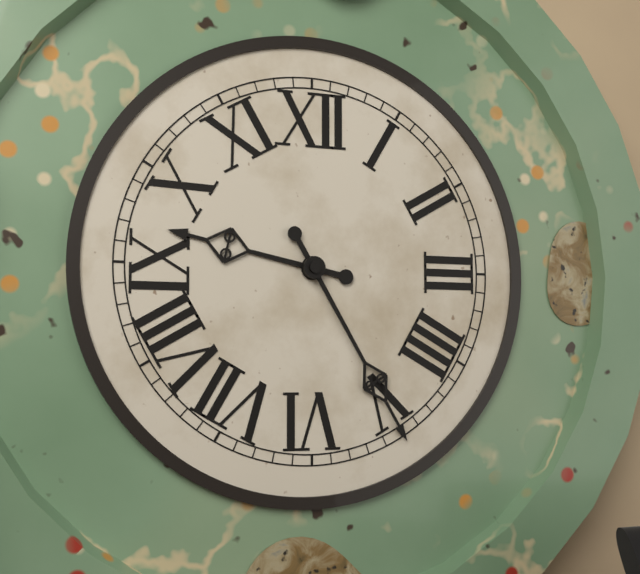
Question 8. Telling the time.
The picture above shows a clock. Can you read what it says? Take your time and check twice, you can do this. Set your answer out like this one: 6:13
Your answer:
9:25
